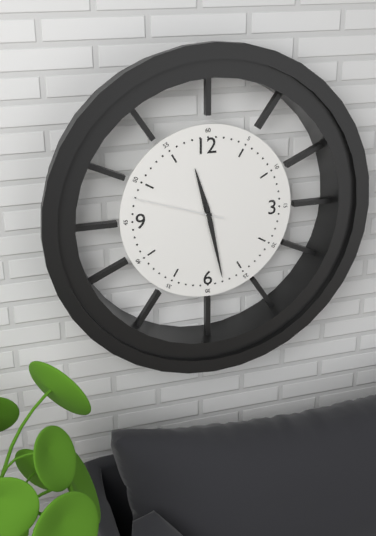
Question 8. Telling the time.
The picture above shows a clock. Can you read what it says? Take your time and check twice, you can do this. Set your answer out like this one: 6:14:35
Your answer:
11:28:48
